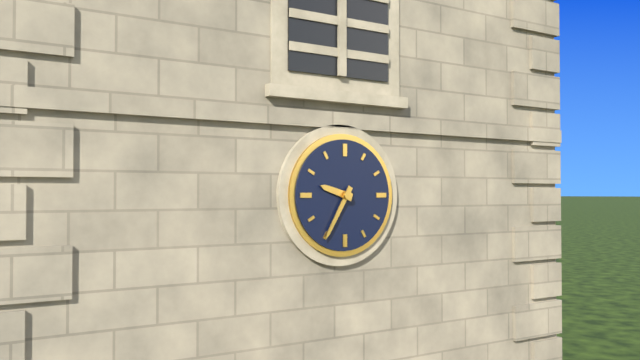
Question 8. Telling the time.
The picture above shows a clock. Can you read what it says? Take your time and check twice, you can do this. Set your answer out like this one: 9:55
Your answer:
9:35
